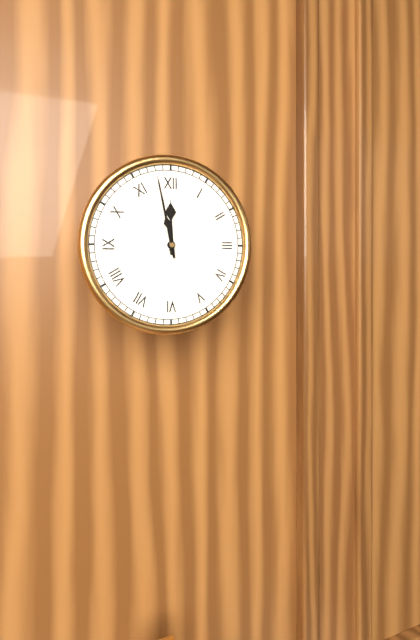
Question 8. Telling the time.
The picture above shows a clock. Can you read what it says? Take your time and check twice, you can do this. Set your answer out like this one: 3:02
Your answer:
11:58
